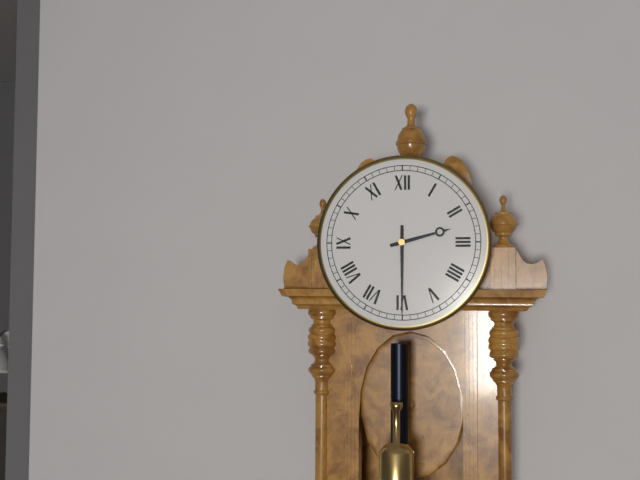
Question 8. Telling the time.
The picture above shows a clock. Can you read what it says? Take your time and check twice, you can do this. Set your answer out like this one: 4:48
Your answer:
2:30
